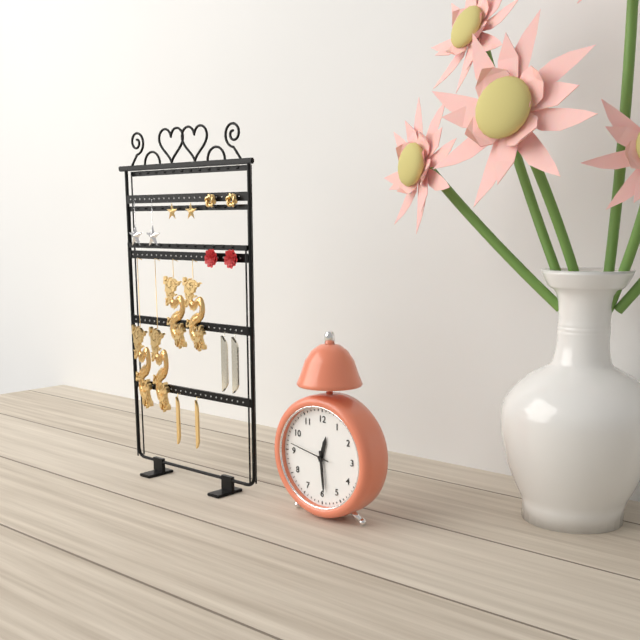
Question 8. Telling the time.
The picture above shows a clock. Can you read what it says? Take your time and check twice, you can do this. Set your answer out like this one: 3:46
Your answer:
12:29
